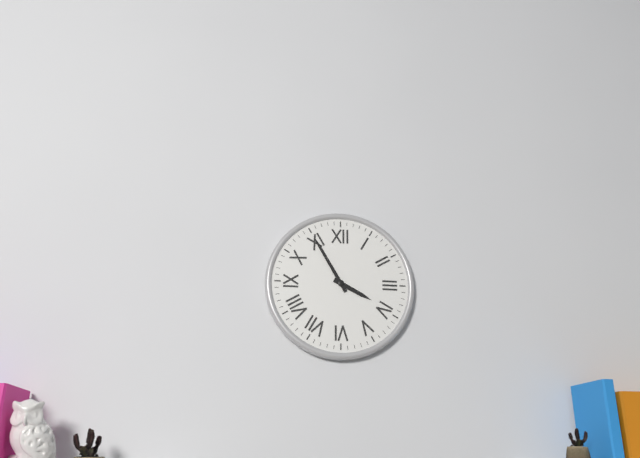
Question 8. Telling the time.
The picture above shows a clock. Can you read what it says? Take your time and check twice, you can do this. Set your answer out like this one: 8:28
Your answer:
3:55
